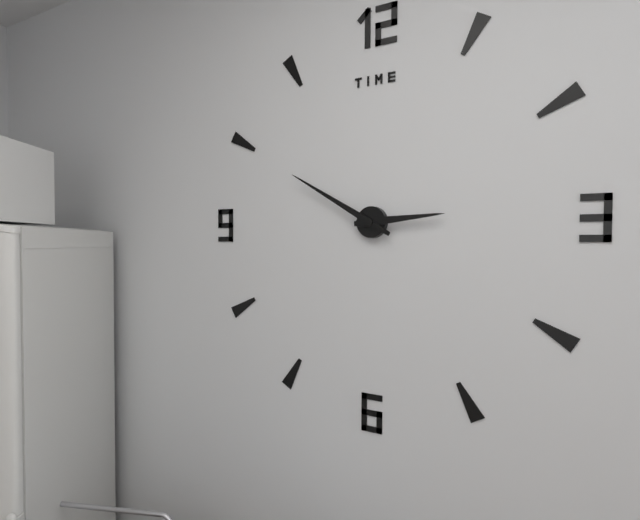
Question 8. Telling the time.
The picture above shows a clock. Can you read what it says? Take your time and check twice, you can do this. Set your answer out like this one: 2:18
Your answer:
2:50
